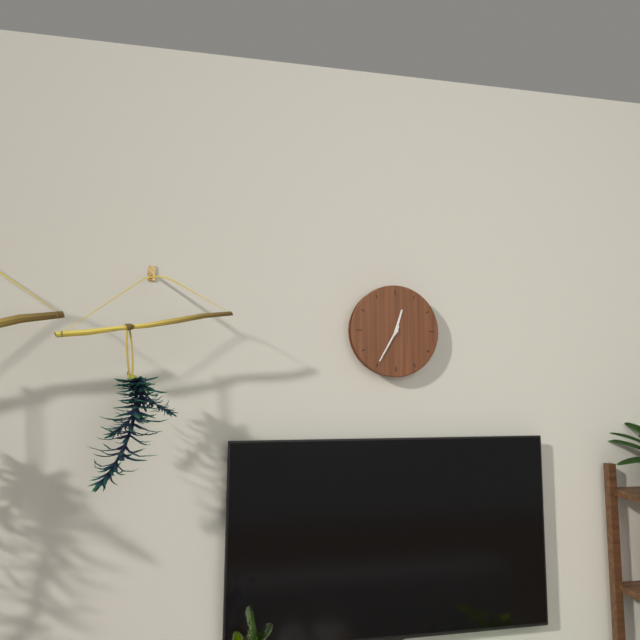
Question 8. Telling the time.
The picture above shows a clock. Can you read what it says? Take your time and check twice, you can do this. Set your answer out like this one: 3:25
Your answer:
12:35
